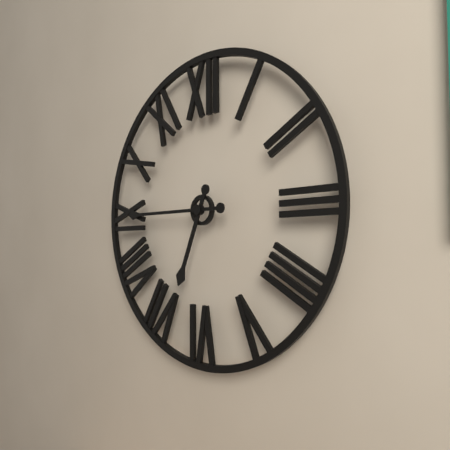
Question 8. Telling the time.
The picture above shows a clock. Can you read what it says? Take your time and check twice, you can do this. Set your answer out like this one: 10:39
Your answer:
6:45
